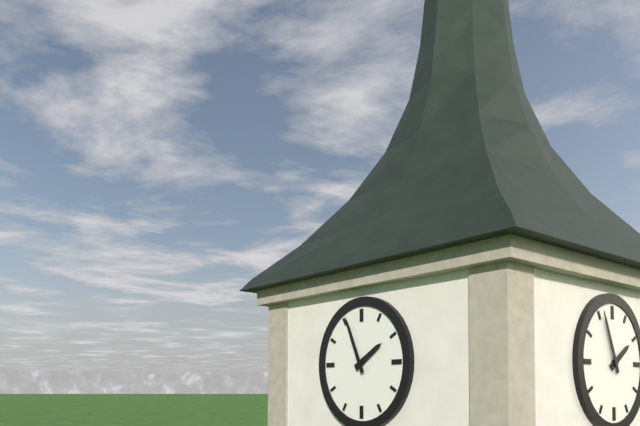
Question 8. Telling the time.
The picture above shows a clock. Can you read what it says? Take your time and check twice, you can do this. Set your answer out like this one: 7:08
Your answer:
1:56
